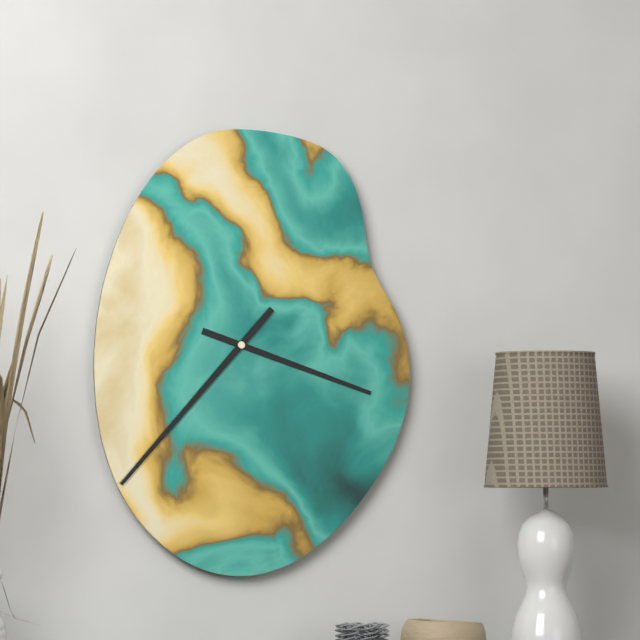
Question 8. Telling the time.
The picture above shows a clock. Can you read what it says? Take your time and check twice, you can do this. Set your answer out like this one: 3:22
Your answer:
3:37
